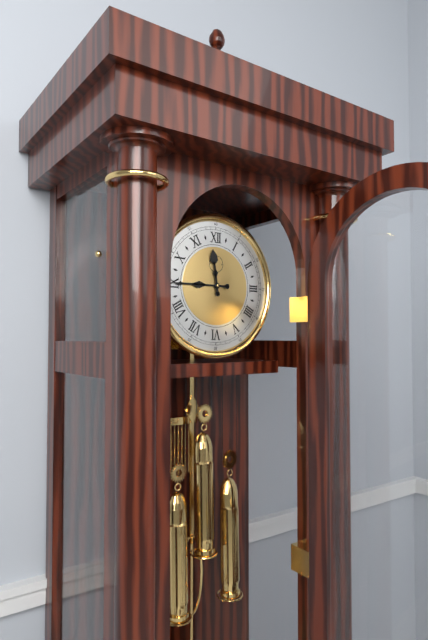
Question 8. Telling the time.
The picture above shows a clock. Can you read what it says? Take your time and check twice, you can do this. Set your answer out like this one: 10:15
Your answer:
11:45
